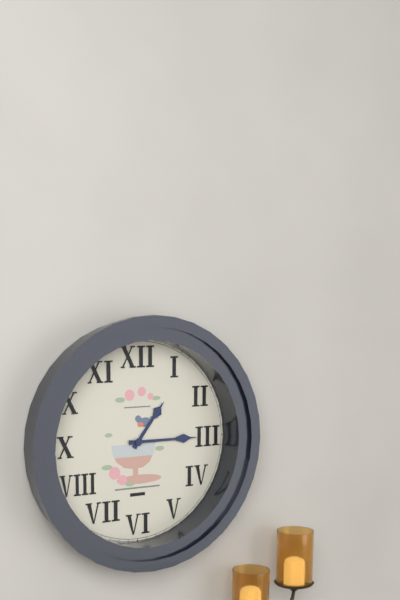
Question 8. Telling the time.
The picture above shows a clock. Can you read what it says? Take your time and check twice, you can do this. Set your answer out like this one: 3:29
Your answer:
1:15
